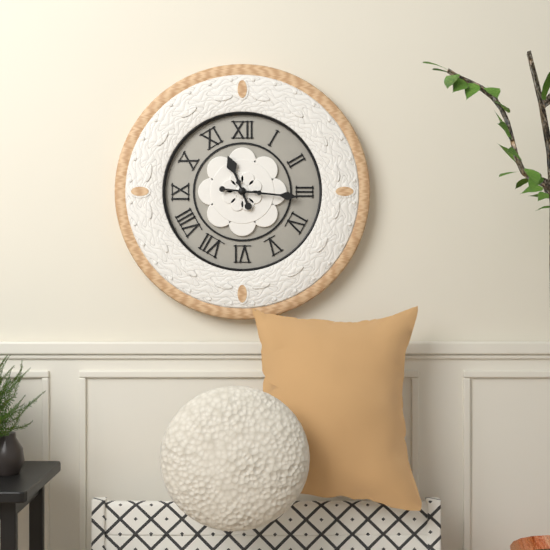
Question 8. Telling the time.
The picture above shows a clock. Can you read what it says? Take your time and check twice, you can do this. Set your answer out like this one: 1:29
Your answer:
11:16
